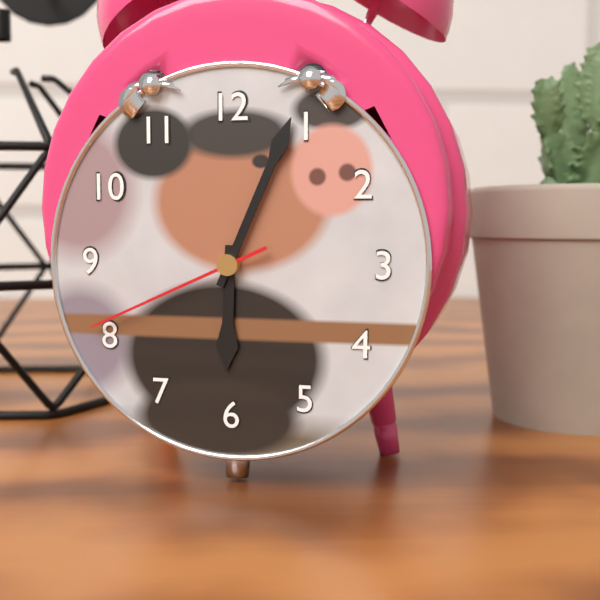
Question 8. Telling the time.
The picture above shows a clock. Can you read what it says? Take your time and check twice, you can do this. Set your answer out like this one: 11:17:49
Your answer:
6:04:41
